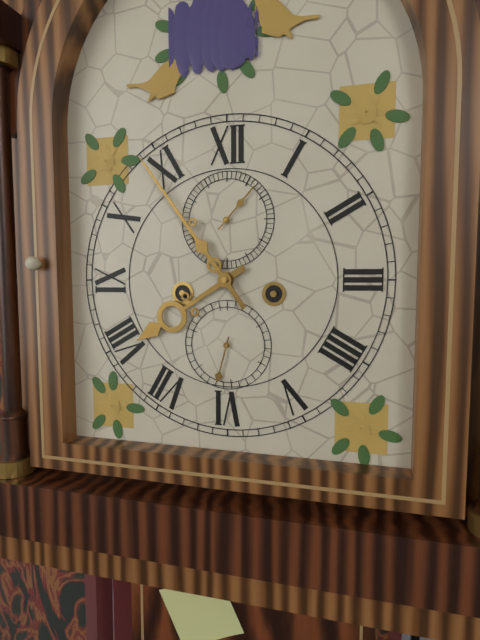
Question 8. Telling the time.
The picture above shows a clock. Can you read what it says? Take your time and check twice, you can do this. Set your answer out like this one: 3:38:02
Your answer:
7:54:07
